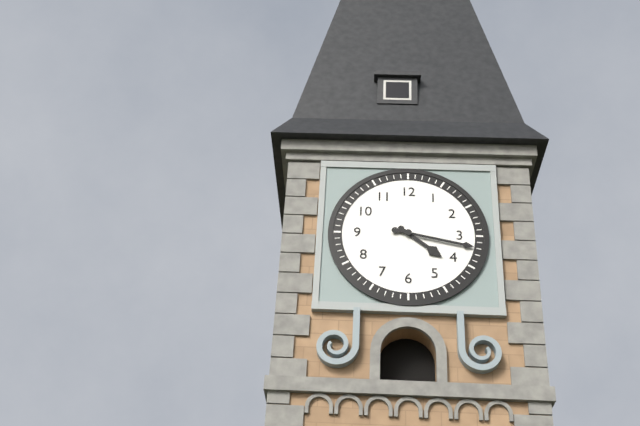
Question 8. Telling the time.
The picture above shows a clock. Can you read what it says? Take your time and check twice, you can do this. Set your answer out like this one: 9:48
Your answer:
4:17
